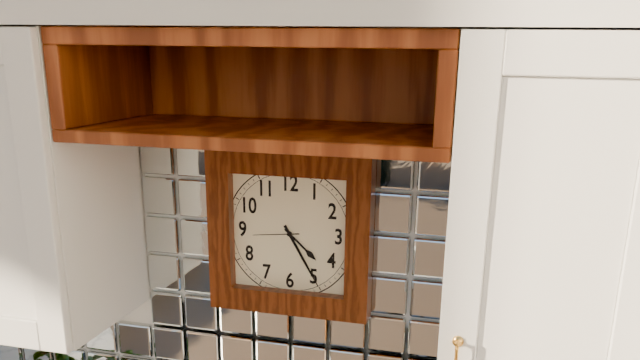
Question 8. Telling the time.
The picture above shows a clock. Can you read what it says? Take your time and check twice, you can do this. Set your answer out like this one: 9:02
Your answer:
4:25
